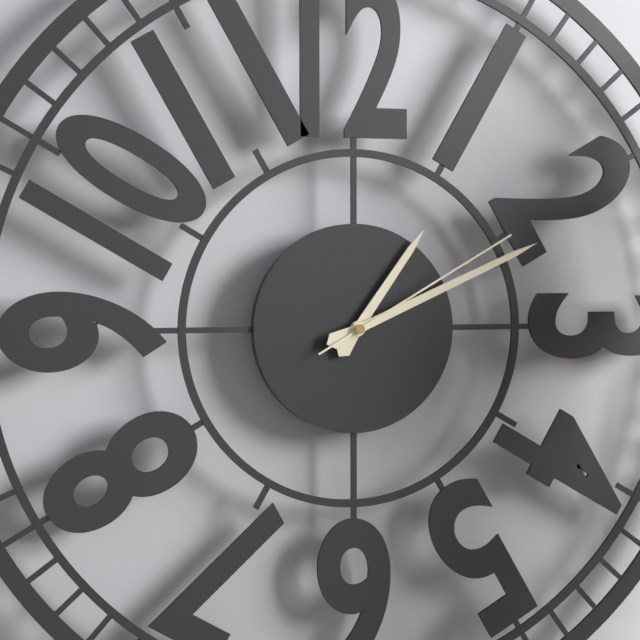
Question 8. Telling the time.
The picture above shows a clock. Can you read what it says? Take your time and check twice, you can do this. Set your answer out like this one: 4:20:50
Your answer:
1:11:10
